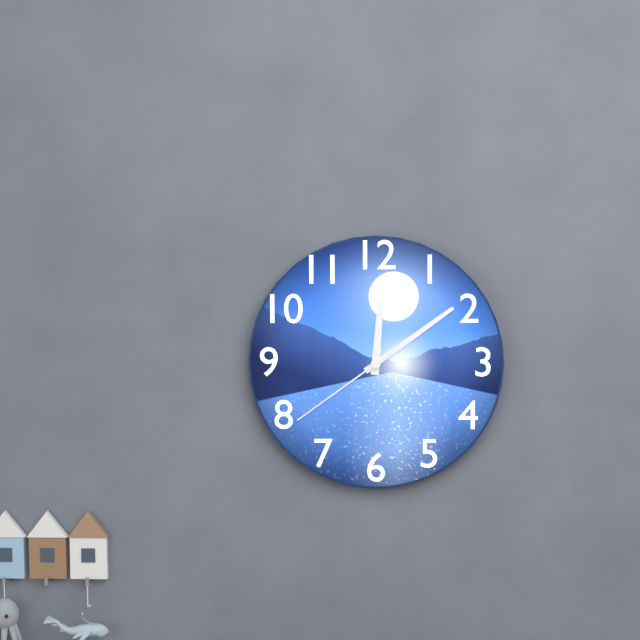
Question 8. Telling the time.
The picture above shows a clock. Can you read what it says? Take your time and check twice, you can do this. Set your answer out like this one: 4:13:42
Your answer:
12:09:39
